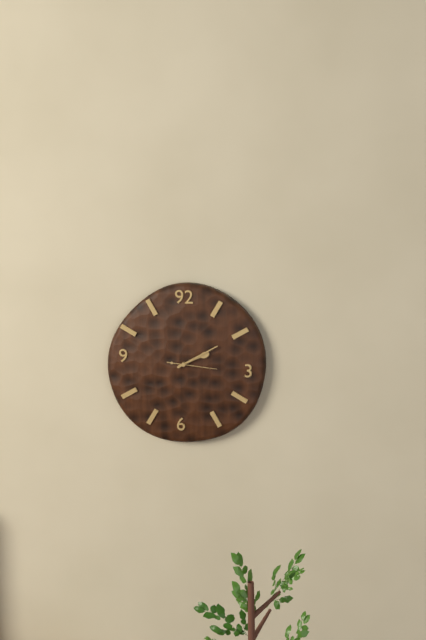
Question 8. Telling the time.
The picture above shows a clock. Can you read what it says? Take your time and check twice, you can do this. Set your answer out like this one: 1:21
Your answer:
2:10
